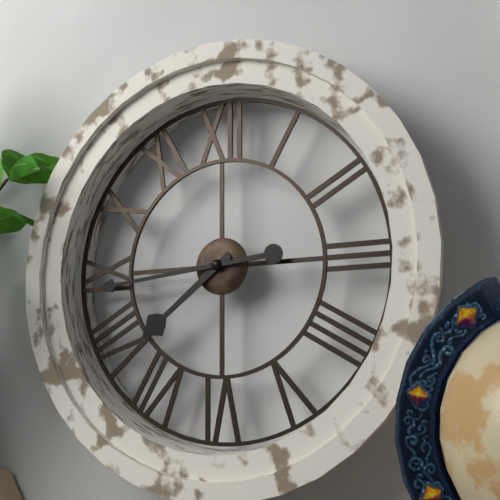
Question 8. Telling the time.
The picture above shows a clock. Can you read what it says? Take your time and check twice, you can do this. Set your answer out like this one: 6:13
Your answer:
7:44
